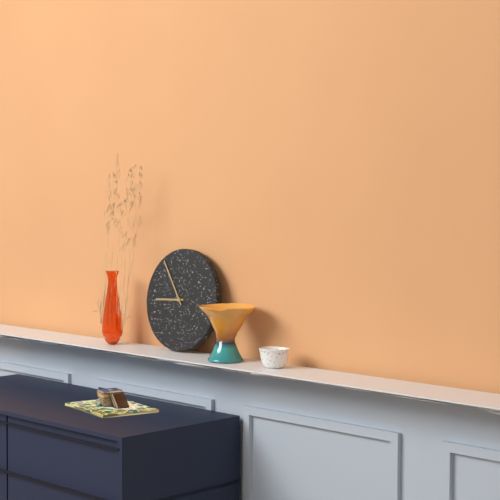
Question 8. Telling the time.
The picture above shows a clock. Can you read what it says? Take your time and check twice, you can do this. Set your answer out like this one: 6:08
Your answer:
8:54
